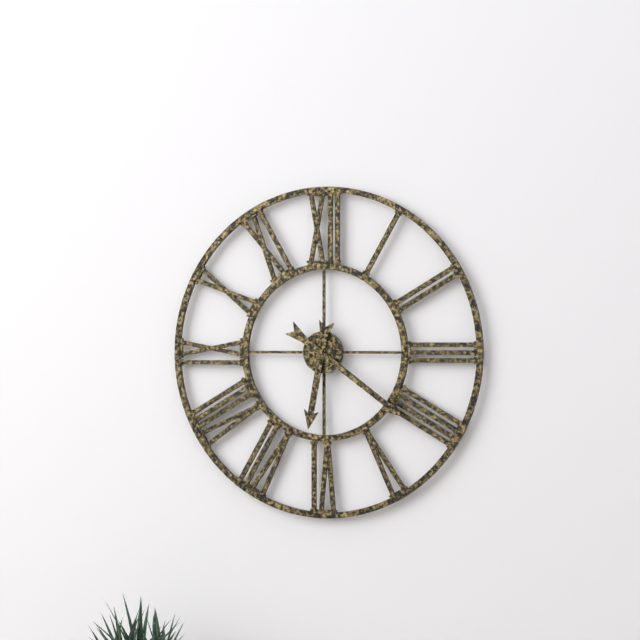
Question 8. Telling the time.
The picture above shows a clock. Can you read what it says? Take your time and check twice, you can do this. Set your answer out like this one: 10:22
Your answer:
6:21
